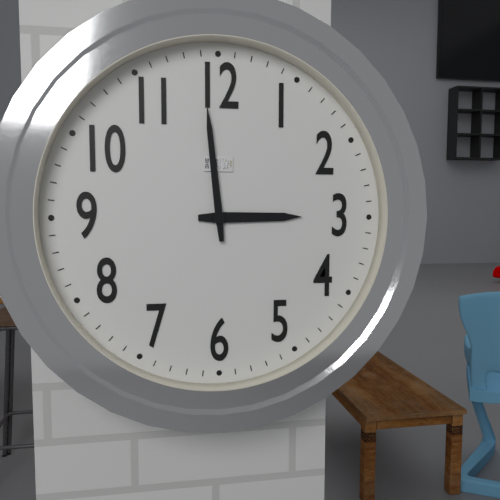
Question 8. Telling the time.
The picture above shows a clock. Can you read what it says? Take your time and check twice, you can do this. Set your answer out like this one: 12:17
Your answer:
2:59
